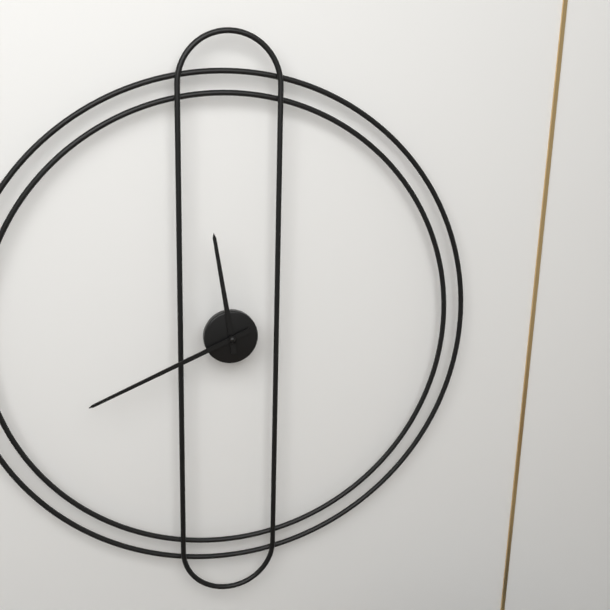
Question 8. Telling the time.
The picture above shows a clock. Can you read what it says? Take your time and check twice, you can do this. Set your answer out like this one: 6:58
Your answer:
11:41
